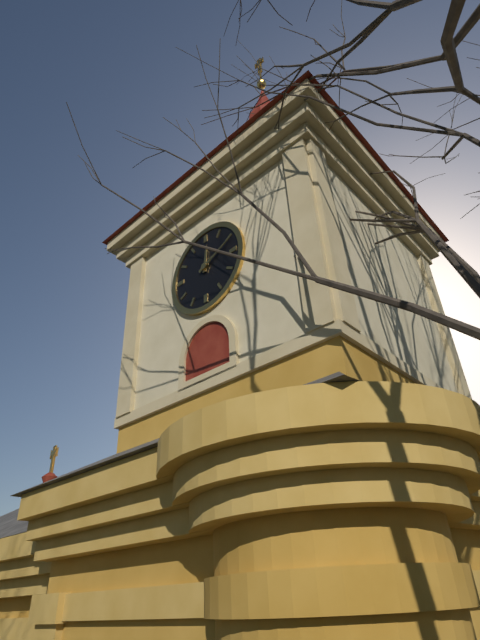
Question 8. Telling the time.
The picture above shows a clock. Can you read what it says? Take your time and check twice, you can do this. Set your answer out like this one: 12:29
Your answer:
12:11
